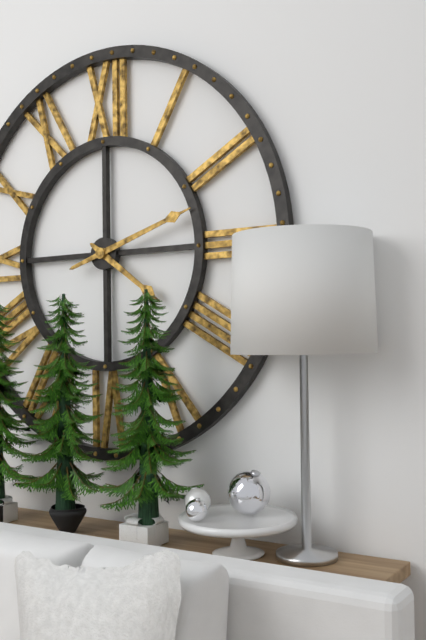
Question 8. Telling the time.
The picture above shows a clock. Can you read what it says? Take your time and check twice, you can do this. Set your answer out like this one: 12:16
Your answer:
4:12
